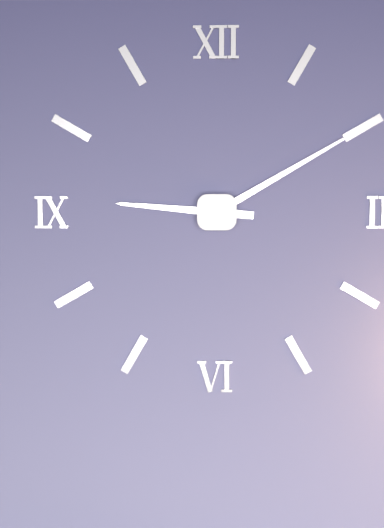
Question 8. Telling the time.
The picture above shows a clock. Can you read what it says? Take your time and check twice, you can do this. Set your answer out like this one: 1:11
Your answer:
9:10
